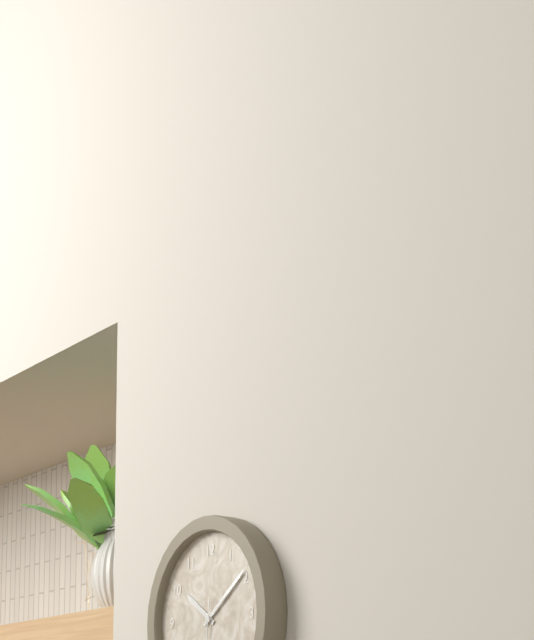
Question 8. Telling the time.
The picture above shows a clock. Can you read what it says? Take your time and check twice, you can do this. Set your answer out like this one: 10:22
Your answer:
10:09
